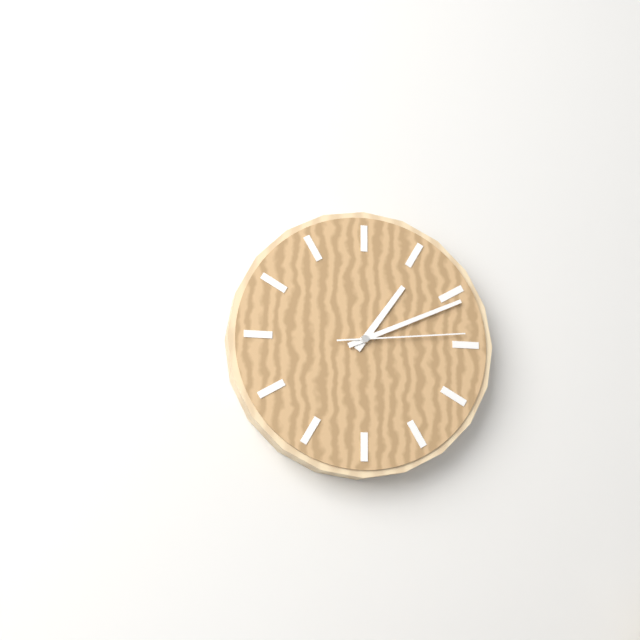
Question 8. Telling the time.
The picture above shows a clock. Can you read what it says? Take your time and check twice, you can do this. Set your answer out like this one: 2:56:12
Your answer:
1:11:14
